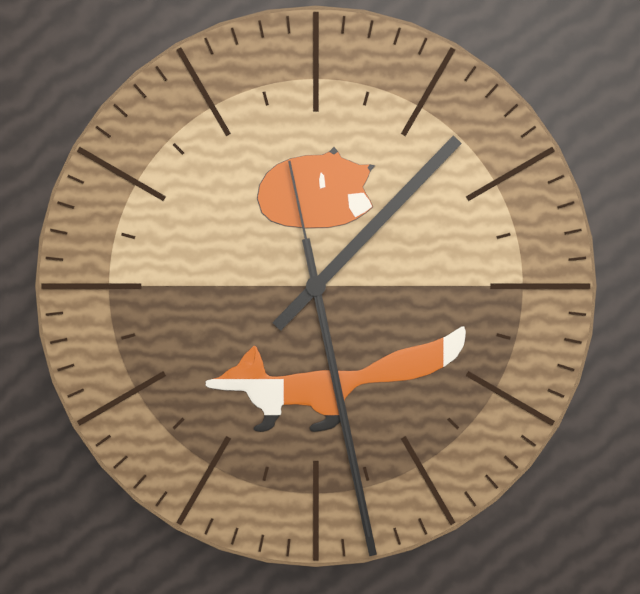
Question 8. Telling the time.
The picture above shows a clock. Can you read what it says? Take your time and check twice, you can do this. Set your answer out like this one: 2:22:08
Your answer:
1:28:28
